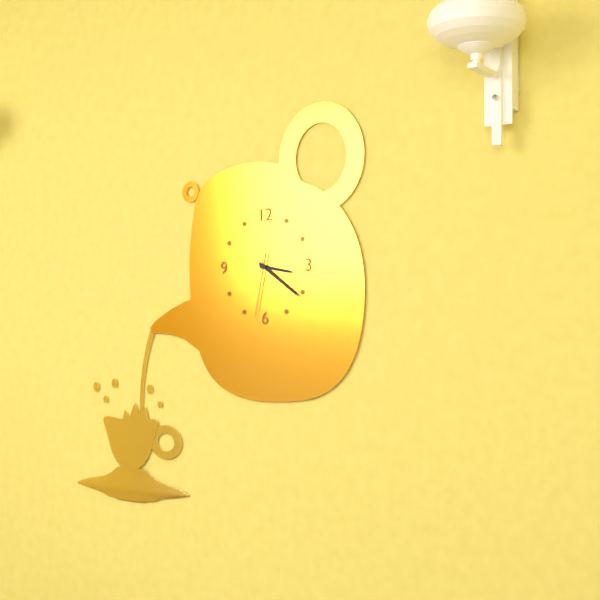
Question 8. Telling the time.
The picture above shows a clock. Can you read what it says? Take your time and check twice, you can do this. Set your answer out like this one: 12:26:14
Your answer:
3:21:32
